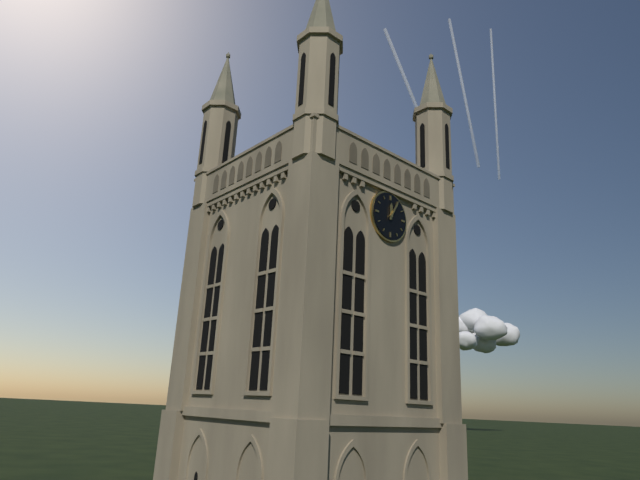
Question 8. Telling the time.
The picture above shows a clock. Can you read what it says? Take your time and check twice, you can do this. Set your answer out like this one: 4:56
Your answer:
12:05
